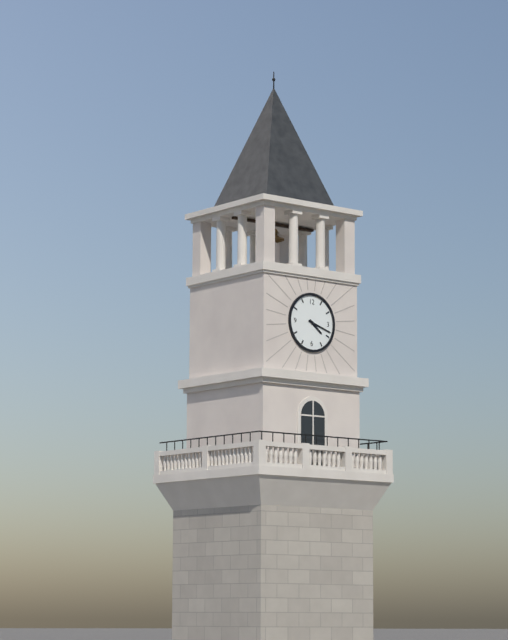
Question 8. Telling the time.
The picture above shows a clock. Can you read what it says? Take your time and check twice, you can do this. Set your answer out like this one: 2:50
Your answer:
4:18
